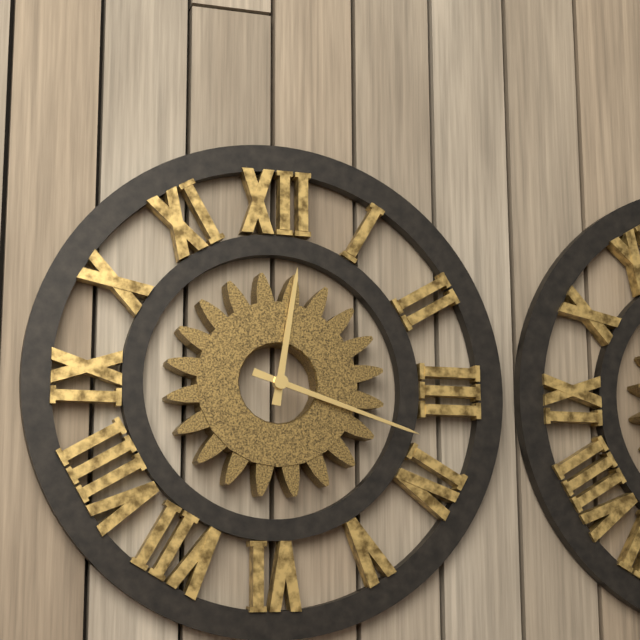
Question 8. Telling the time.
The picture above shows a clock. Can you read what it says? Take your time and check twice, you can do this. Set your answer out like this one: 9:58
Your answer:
12:18
